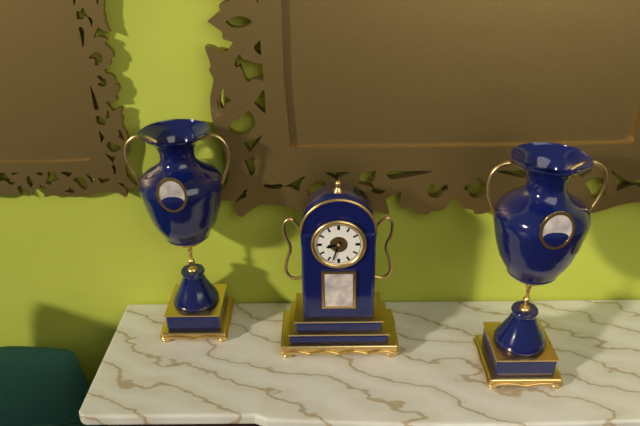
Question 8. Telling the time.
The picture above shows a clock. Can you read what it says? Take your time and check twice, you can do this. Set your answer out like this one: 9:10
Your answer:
8:33
